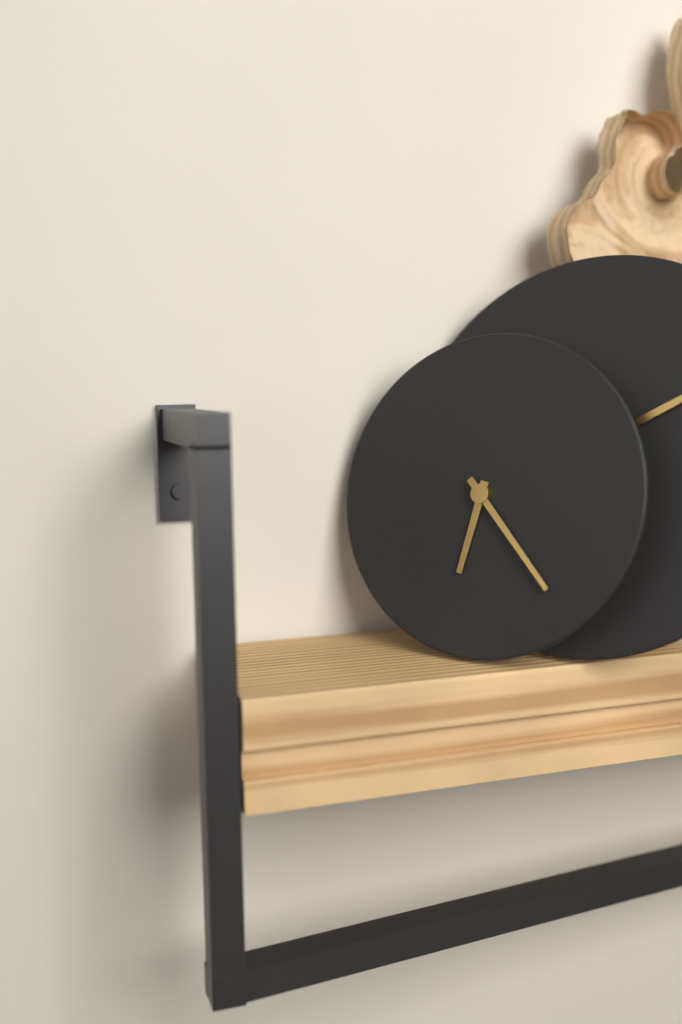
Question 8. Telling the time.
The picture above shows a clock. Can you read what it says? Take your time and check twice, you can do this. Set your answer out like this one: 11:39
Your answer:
6:23
